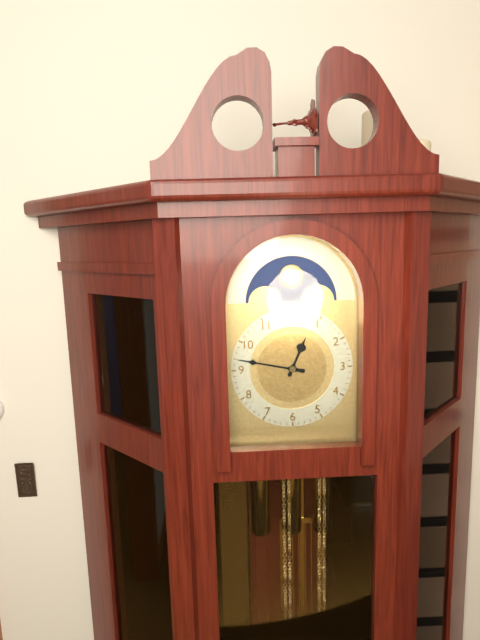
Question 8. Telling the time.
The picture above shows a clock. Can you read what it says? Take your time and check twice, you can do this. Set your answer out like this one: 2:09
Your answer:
12:47
